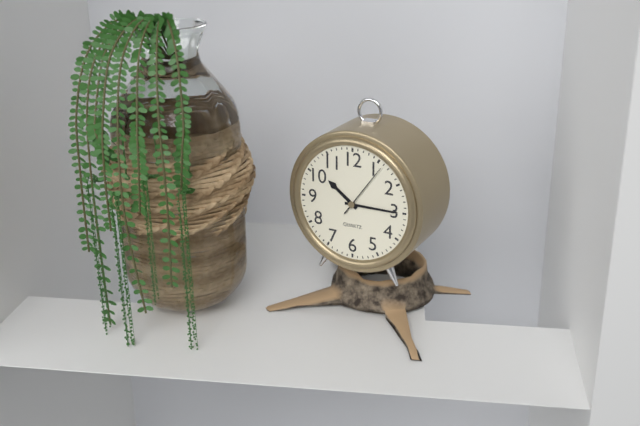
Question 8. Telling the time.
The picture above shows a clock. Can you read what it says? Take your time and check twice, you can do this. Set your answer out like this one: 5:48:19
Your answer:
10:15:06
